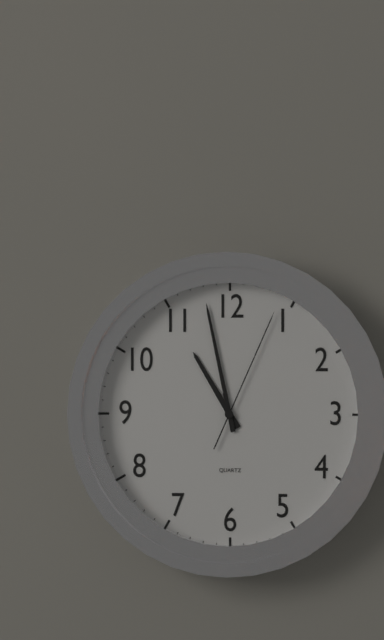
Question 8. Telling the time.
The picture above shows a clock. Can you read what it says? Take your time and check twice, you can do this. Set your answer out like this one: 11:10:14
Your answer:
10:58:04
